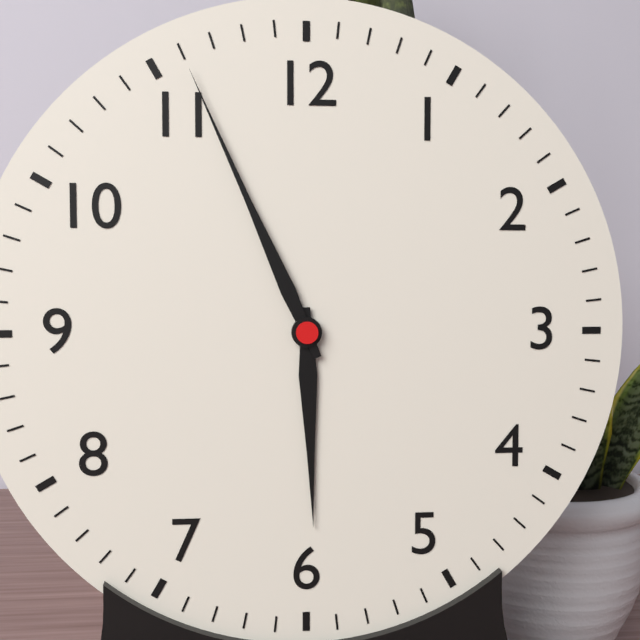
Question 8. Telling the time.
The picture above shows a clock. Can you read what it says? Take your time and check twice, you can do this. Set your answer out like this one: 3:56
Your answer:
5:56
